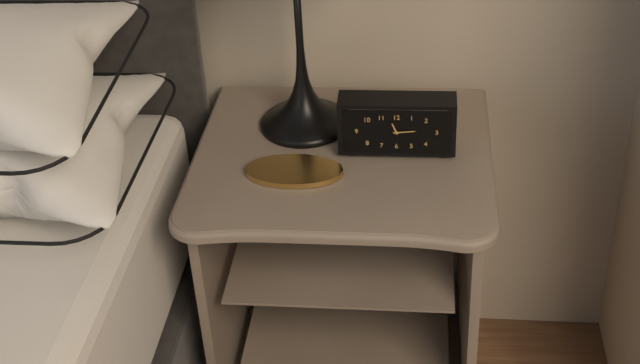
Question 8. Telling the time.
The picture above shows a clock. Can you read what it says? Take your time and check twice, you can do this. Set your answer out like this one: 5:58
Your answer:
11:14
